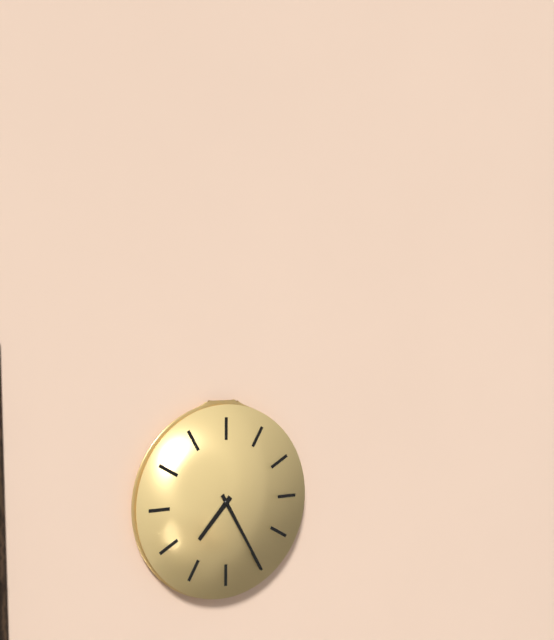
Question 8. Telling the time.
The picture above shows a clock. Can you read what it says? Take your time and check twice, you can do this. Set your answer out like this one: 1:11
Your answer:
7:25
